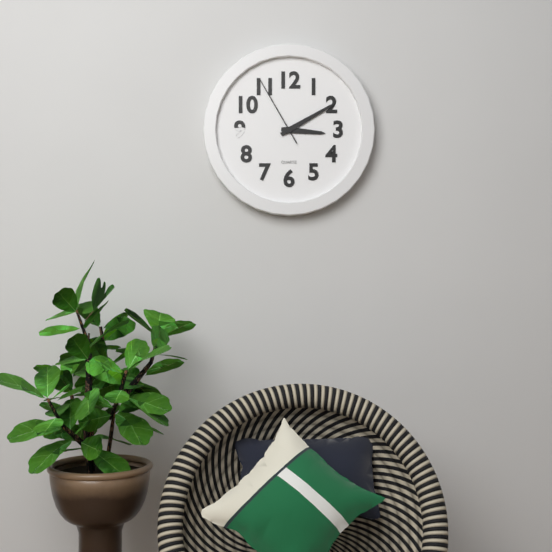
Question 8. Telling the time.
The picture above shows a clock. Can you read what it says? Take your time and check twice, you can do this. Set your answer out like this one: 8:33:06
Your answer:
3:10:55
